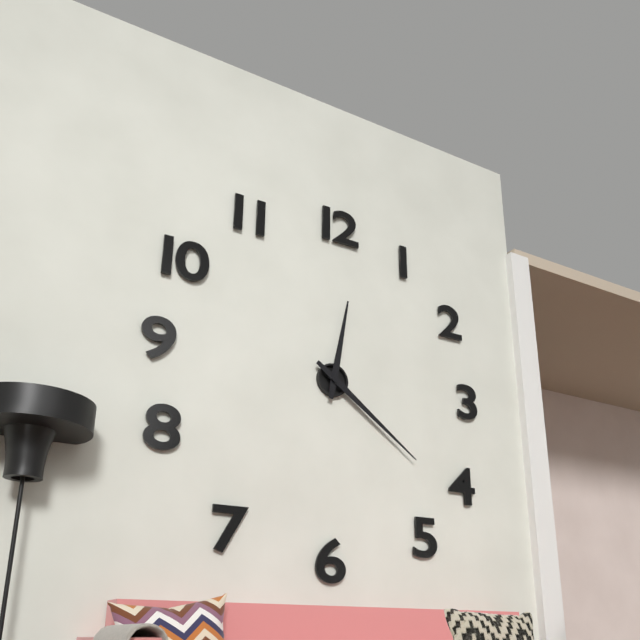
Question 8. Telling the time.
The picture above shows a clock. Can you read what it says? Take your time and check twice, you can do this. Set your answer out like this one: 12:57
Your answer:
12:21
